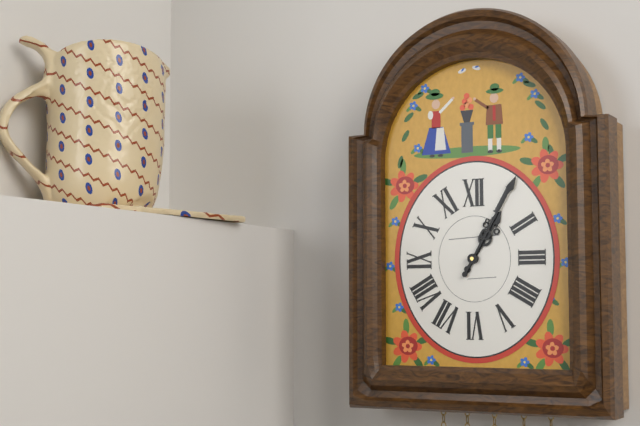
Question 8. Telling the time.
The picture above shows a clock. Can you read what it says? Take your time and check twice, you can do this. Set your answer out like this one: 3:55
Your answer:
1:05
